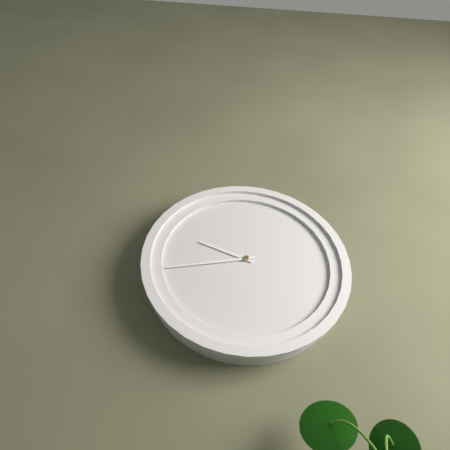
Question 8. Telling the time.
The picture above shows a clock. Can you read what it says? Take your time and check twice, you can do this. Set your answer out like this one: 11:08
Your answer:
9:43
